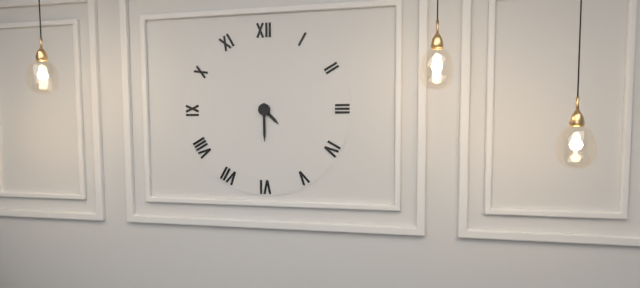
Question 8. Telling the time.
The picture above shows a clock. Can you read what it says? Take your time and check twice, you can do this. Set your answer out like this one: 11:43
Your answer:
4:30
